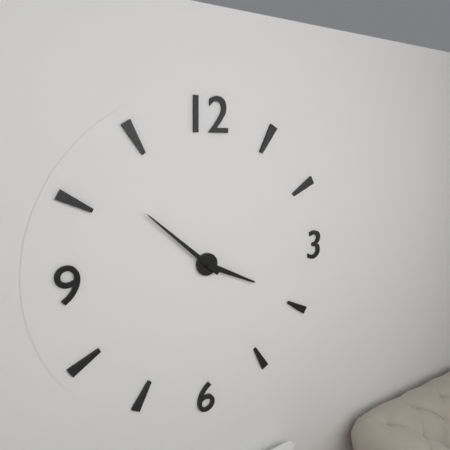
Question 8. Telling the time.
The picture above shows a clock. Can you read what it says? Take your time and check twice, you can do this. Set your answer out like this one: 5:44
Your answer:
3:52
